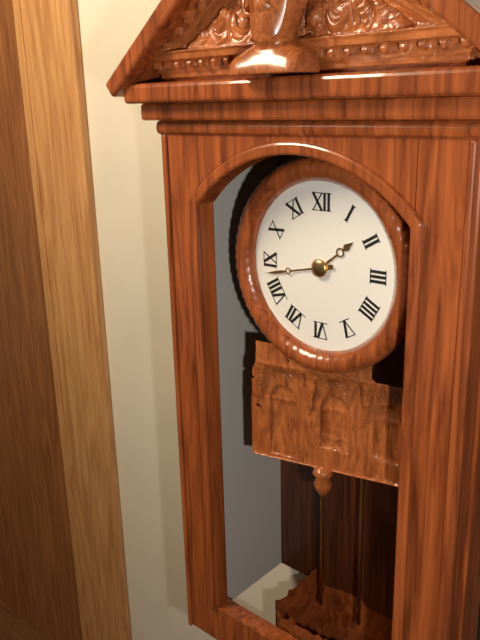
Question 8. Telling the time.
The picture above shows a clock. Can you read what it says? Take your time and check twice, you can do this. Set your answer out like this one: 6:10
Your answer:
1:43
